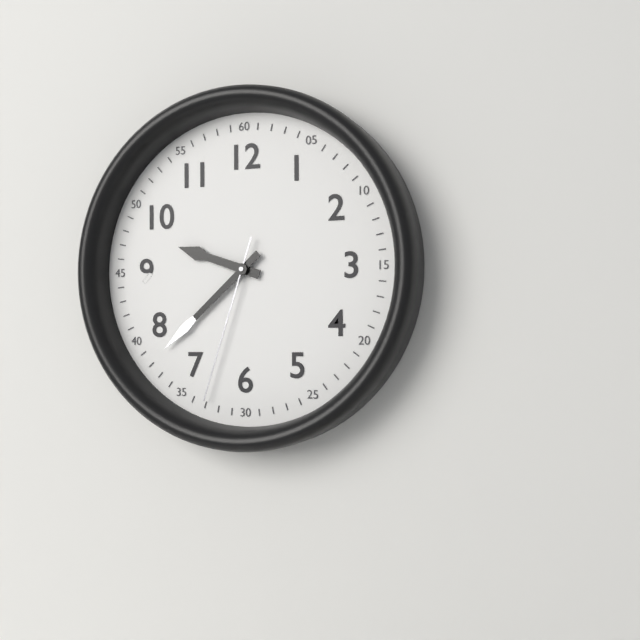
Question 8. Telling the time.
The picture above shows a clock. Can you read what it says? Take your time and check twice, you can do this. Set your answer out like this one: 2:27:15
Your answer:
9:38:33
